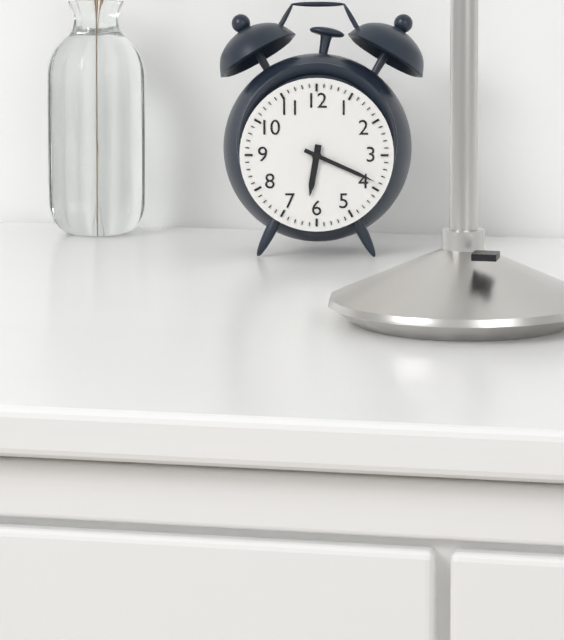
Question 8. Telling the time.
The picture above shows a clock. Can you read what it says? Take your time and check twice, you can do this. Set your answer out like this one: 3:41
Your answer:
6:19
